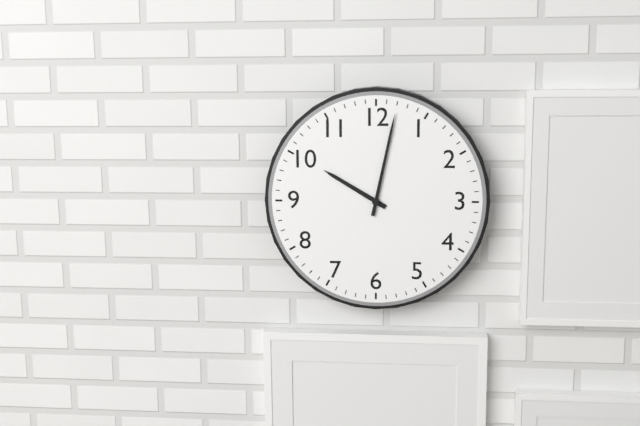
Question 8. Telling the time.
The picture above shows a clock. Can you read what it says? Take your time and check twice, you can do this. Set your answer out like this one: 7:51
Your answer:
10:02
